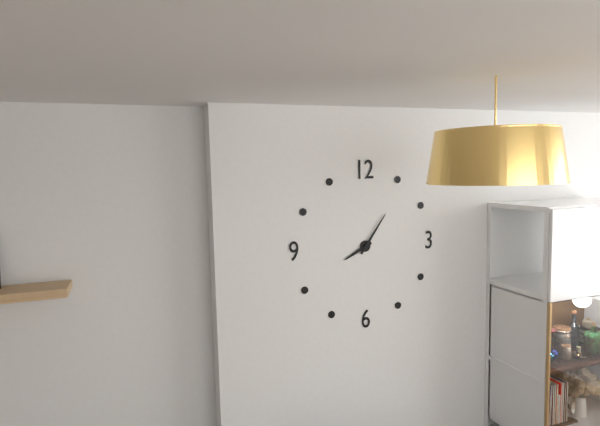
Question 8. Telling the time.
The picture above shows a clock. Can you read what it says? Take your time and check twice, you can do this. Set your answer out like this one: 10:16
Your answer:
8:06
